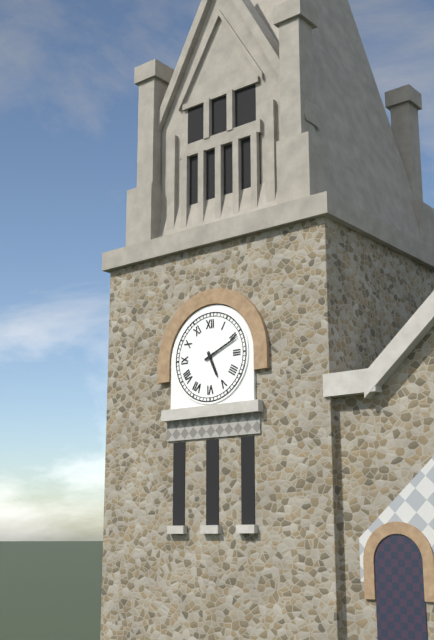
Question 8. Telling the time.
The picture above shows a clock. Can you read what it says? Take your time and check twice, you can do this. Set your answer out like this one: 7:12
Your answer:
5:11
